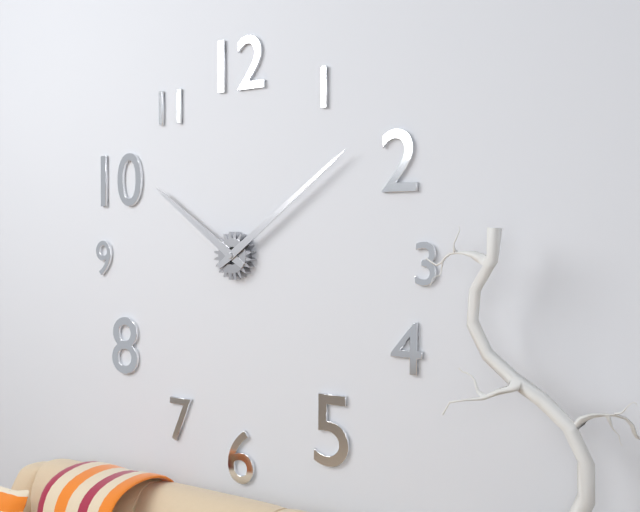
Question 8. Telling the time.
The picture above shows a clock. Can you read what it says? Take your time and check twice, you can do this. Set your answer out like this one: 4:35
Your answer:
10:09
